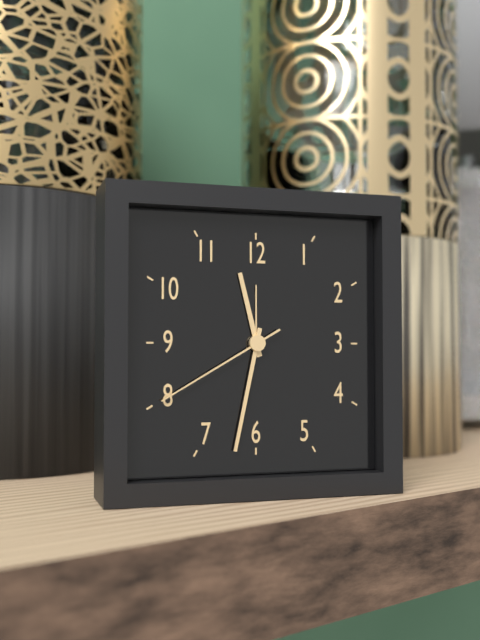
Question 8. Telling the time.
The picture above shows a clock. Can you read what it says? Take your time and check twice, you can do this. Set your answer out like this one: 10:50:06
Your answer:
11:32:40
